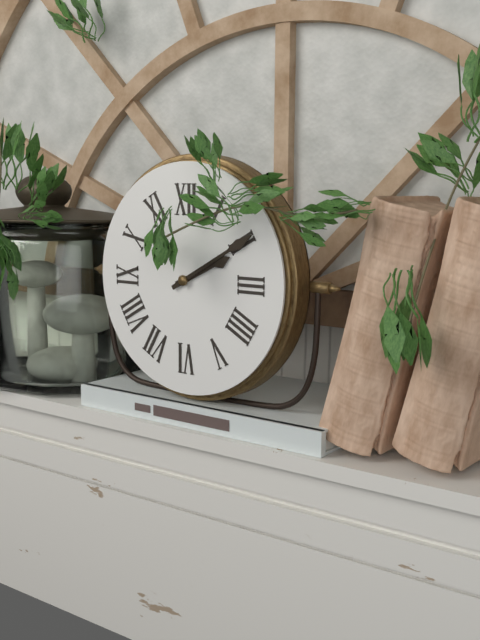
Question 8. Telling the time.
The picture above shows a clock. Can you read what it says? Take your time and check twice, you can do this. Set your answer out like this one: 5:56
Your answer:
2:10
